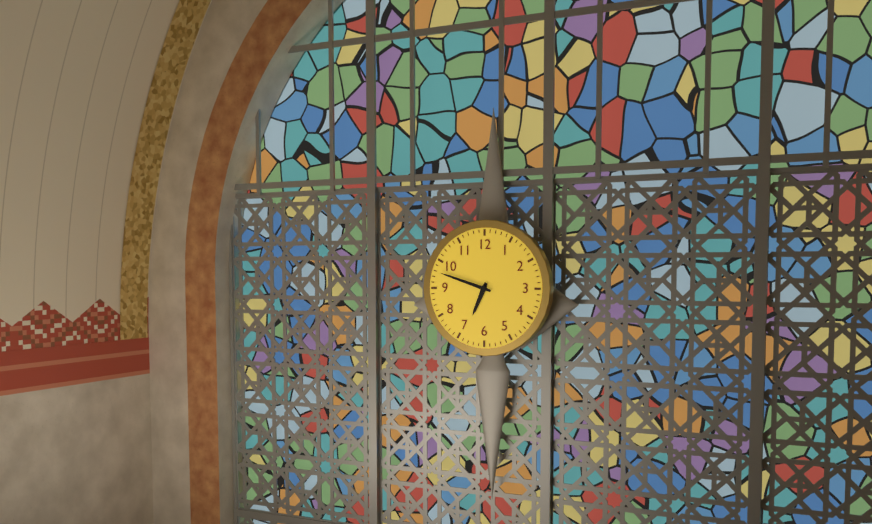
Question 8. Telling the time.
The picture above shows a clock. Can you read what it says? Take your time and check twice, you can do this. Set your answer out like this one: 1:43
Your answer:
6:48
